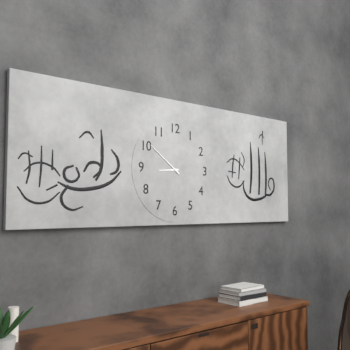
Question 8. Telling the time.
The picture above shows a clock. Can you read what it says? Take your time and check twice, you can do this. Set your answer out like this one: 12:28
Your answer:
8:51
